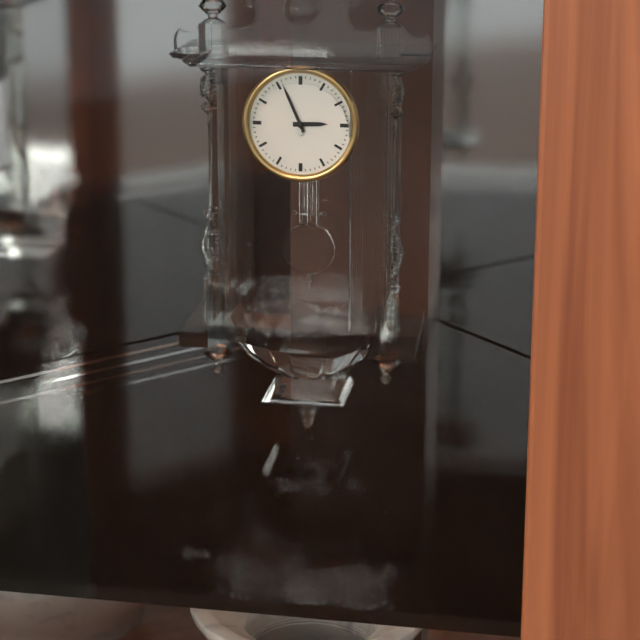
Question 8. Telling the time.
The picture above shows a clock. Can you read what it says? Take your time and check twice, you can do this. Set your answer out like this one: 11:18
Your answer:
2:56
